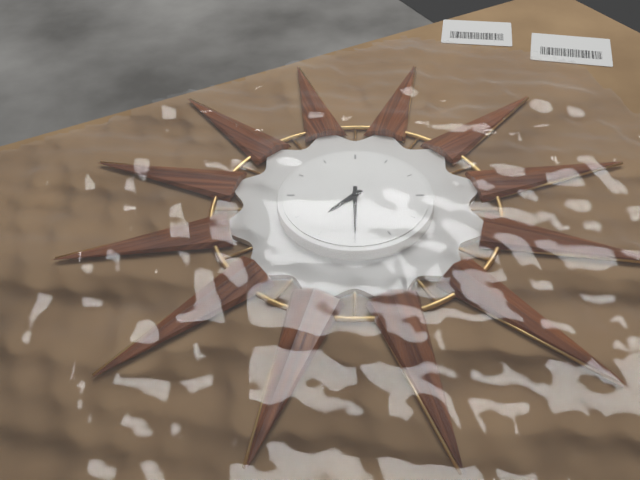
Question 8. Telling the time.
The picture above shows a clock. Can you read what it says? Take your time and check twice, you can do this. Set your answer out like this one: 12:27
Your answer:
7:30
